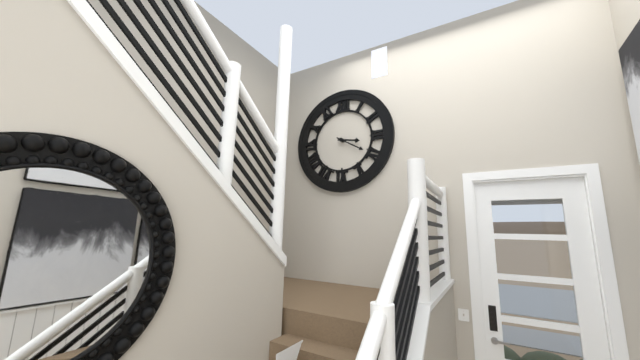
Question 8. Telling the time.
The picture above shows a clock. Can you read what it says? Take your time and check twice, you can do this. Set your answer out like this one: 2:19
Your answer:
3:20
